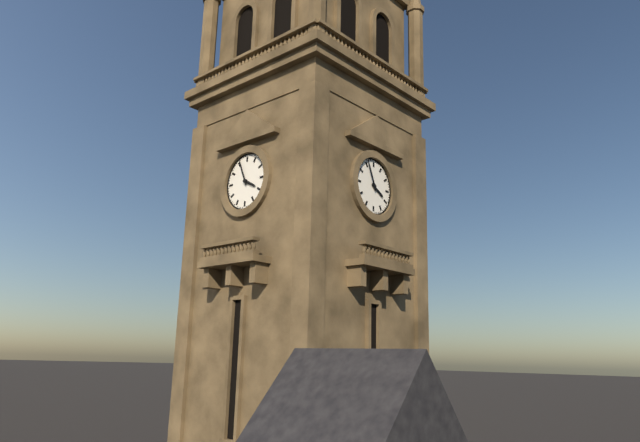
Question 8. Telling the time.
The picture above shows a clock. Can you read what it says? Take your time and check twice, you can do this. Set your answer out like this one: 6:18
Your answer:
3:56
